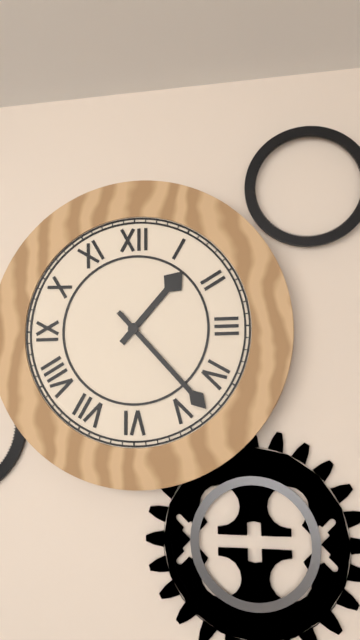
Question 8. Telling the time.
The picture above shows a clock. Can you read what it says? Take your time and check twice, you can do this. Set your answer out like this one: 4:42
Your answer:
1:23
